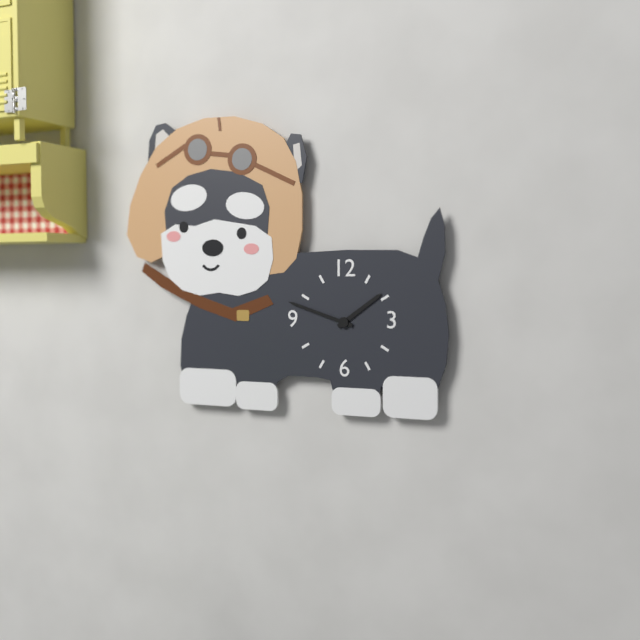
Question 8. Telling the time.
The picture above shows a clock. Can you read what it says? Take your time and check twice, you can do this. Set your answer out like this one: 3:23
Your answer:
1:48
